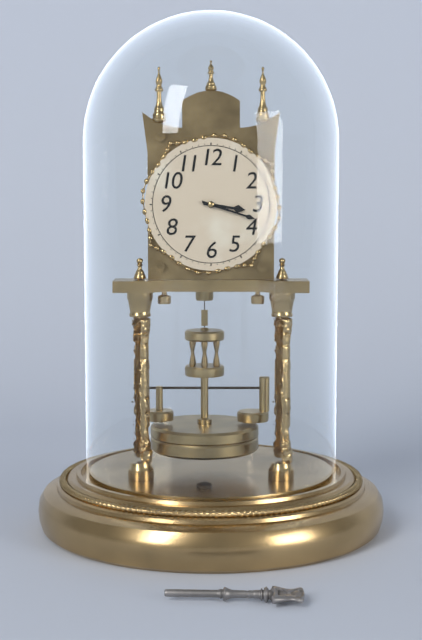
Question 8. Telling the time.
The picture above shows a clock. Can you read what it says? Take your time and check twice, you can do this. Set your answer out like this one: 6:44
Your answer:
3:18
